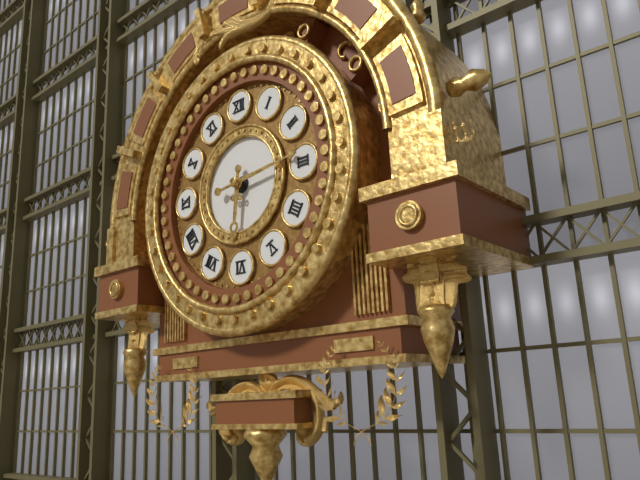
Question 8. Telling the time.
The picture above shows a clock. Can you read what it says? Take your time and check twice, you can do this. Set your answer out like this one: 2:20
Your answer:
6:14
